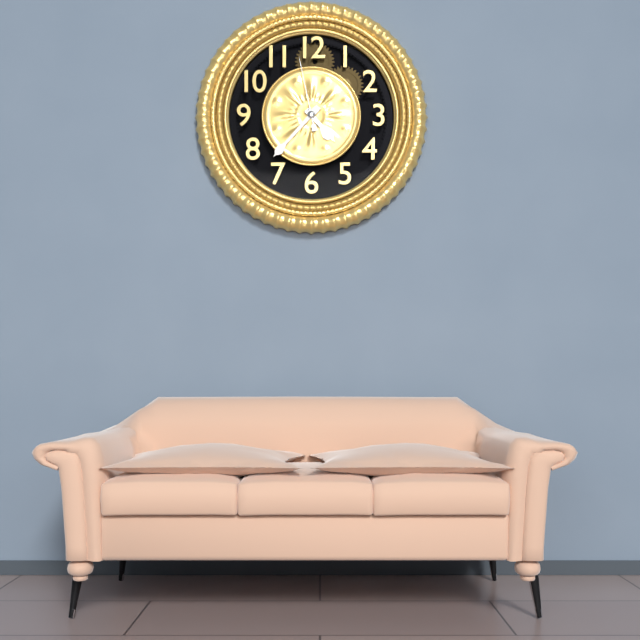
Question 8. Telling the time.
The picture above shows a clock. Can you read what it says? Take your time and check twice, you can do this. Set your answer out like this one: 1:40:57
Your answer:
4:37:58
